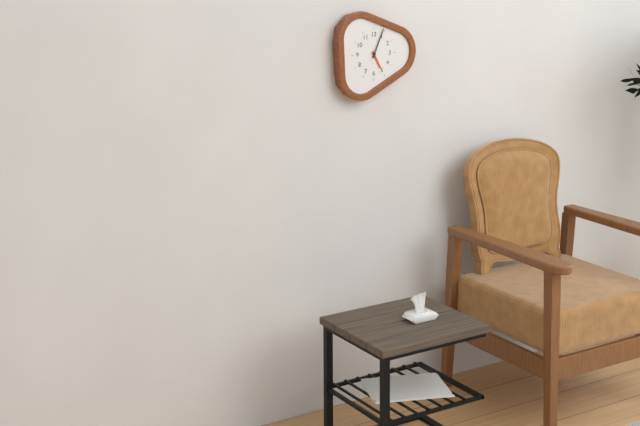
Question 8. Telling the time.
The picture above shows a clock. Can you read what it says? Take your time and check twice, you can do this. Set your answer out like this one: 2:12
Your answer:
5:04
